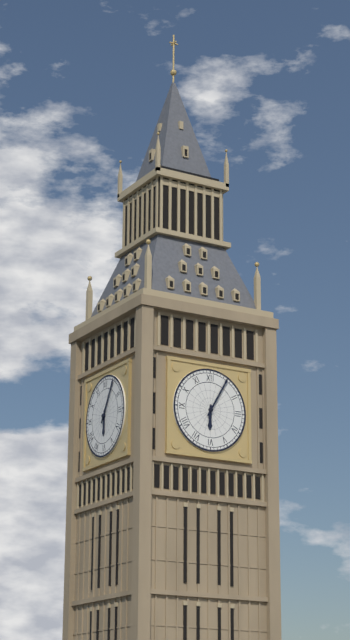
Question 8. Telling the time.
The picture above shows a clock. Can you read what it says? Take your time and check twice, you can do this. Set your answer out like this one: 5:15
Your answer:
6:05
